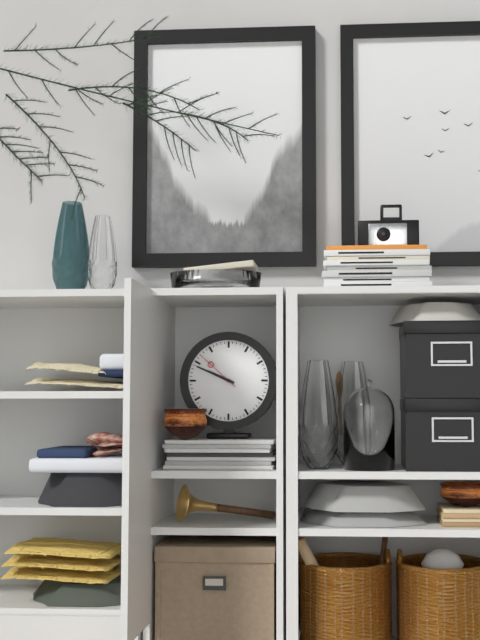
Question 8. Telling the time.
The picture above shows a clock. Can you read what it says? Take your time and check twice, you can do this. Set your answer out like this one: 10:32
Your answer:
9:49
